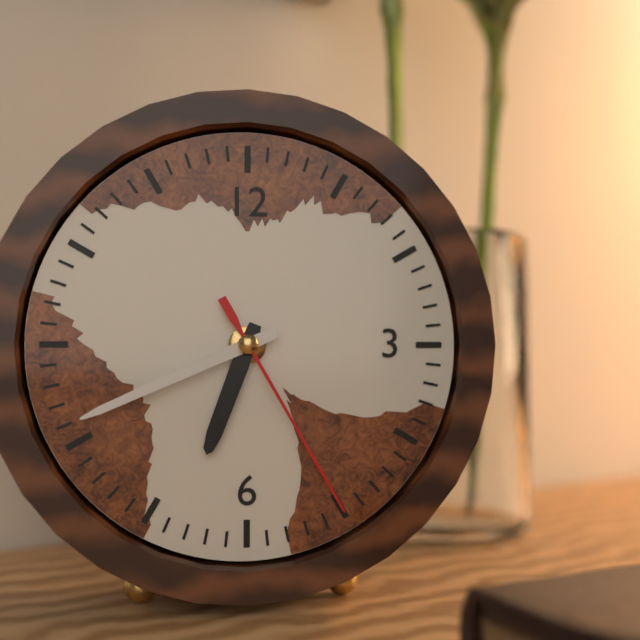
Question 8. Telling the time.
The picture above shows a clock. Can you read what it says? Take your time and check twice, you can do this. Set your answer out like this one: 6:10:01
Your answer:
6:41:25
